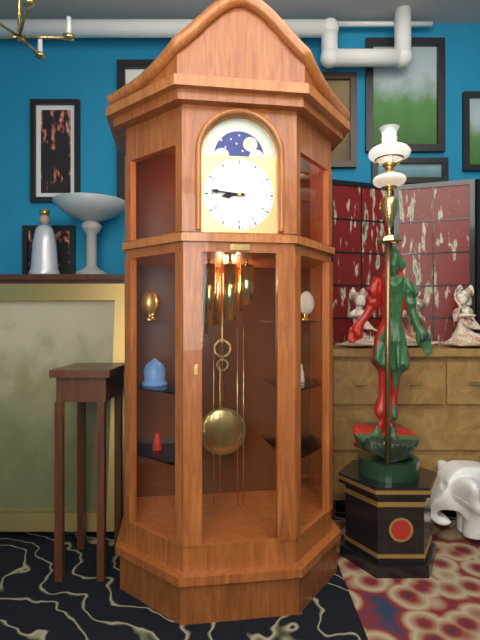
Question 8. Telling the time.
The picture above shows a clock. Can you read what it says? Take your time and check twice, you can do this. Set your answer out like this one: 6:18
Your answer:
8:46
